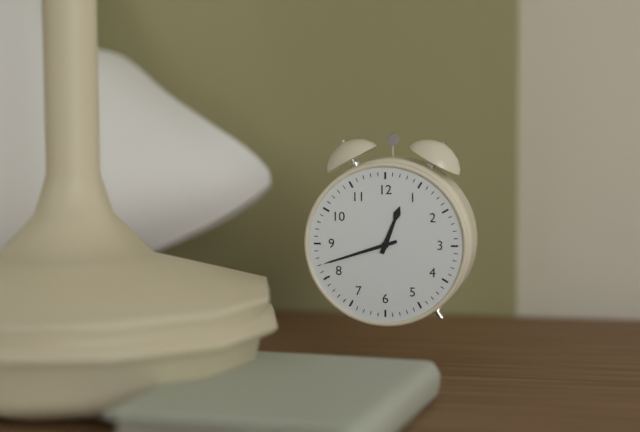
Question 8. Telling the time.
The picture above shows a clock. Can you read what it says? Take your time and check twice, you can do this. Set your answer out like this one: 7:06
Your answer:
12:42
